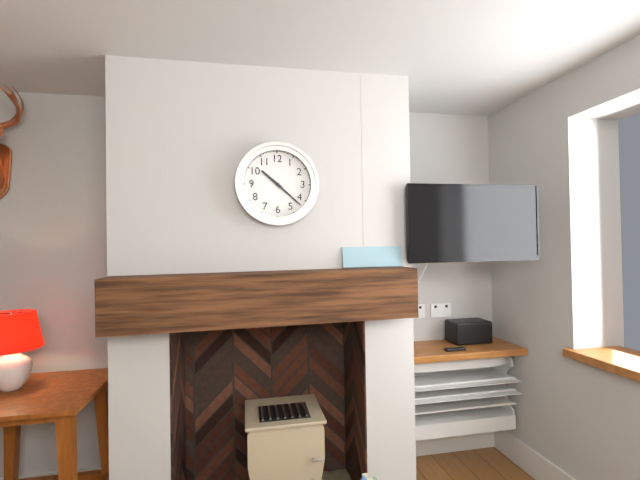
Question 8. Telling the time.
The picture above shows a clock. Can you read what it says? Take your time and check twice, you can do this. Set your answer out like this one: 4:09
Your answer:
10:22
